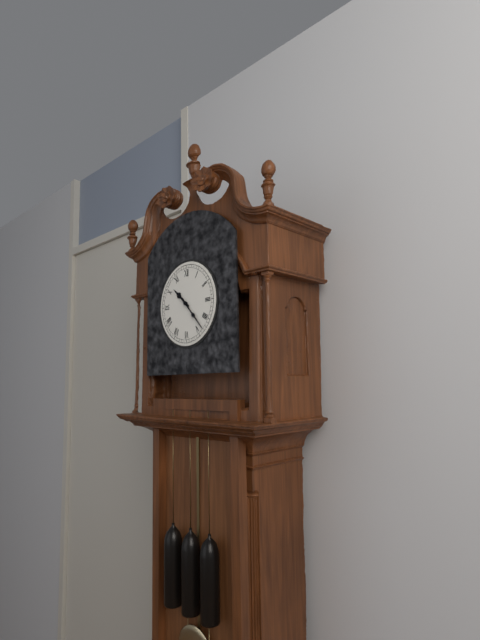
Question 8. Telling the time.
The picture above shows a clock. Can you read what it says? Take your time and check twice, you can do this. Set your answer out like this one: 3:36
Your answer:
10:23
